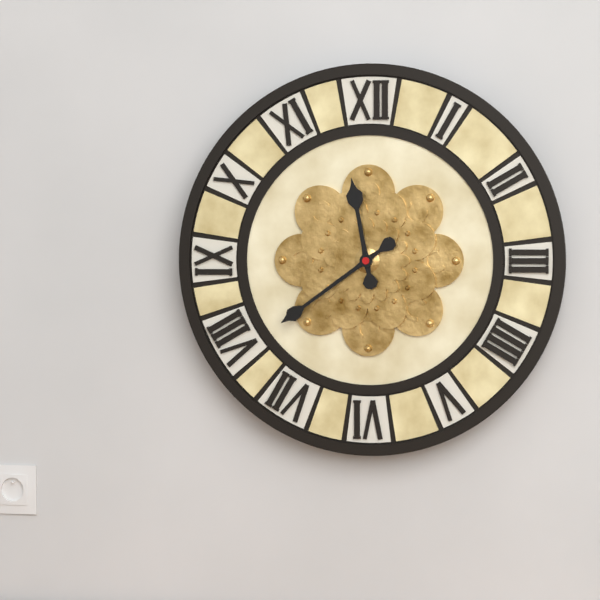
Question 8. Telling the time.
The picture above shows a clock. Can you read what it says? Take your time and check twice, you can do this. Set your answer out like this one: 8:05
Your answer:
11:39
